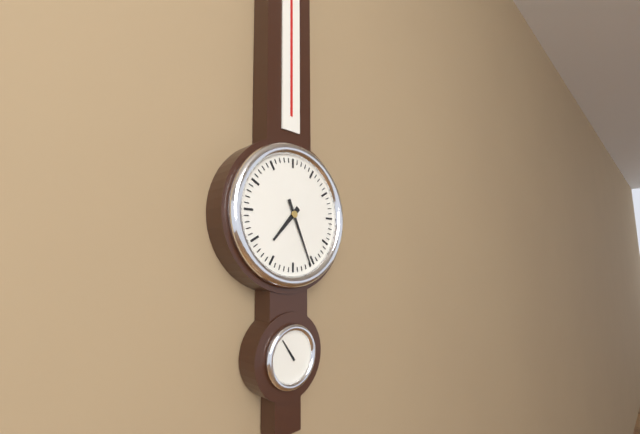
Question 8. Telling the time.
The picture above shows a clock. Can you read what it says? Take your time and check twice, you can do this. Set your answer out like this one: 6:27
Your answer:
7:26
